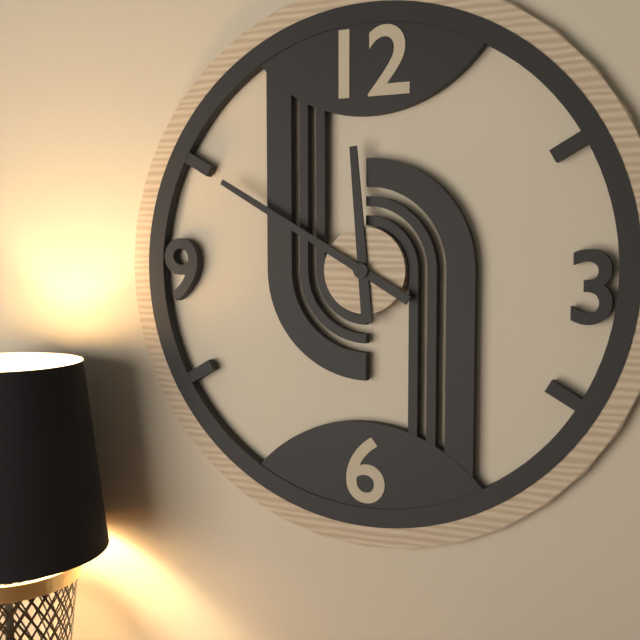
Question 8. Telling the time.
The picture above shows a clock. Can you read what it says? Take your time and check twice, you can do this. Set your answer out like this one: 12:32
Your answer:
11:50
